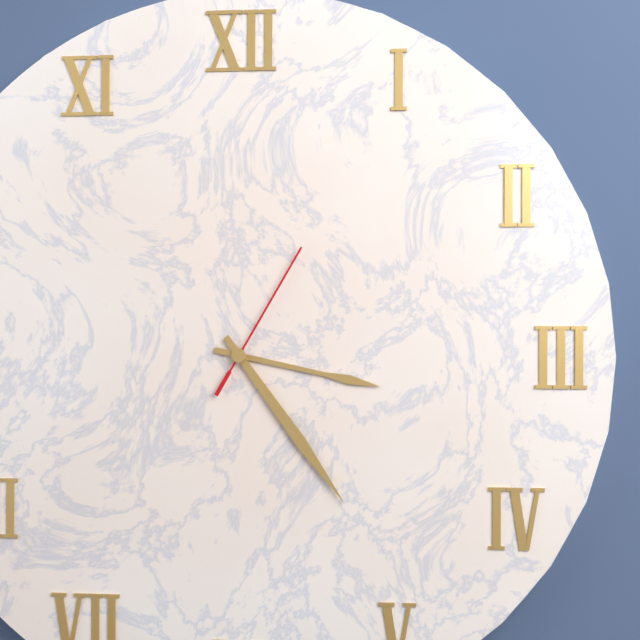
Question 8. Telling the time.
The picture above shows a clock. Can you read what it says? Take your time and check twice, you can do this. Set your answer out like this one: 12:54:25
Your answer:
3:24:05
